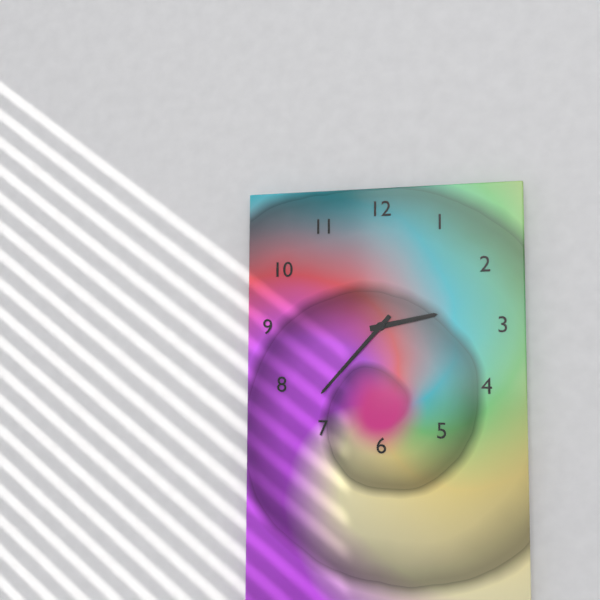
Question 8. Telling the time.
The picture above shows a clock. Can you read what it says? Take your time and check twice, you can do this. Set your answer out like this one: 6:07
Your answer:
2:37
